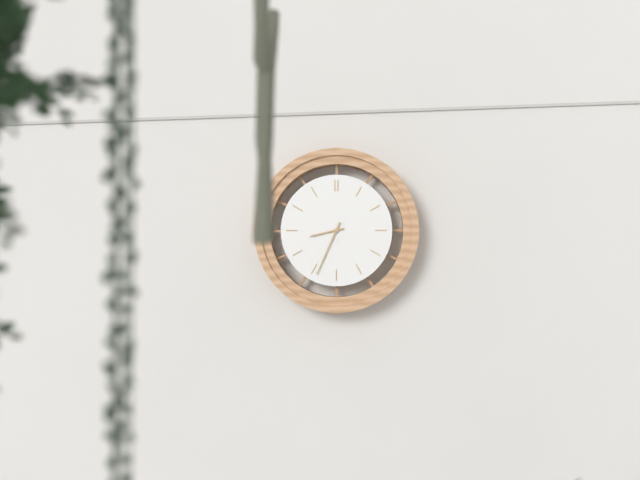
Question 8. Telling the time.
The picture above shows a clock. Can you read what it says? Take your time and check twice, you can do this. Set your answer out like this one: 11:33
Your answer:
8:34
